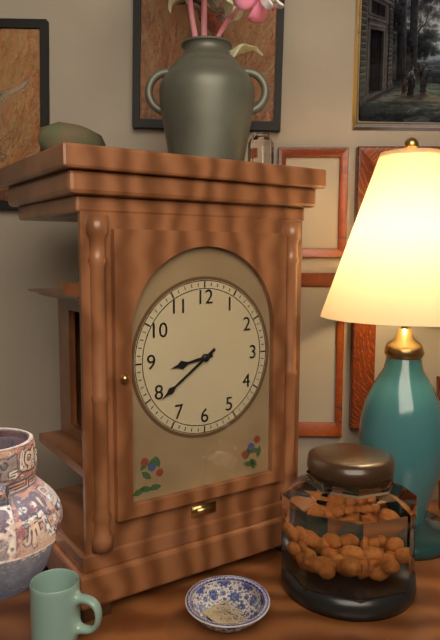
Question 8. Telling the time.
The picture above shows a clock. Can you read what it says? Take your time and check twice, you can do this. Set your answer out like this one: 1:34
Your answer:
8:39
